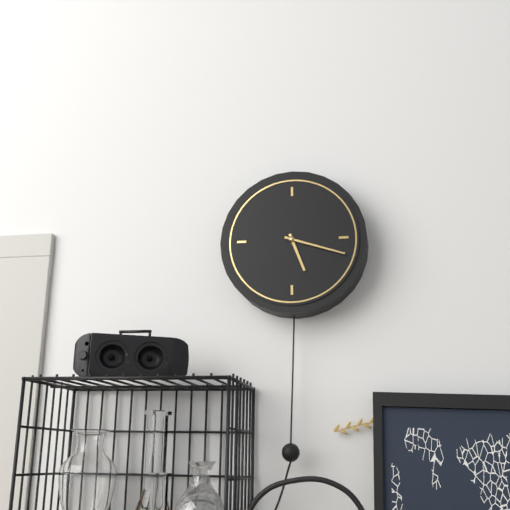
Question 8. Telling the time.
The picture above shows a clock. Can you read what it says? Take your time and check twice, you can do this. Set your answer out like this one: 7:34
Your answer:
5:18
